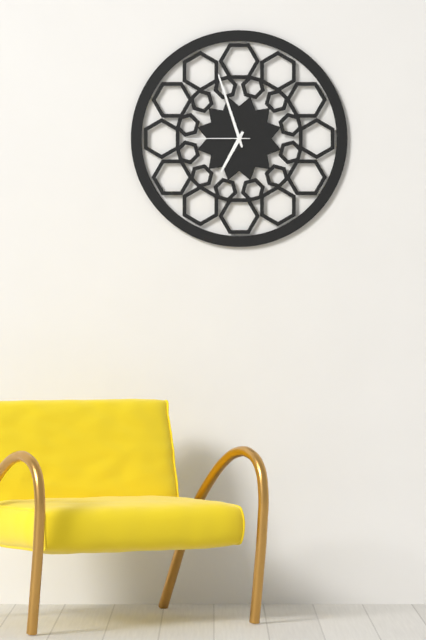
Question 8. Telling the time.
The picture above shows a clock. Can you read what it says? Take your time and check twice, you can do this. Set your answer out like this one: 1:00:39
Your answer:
6:57:45
